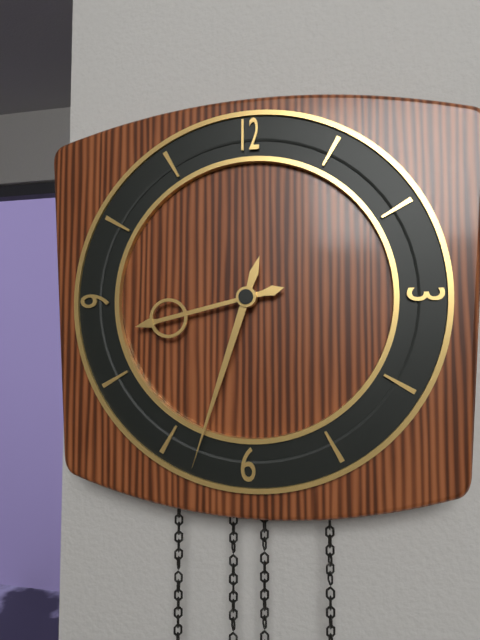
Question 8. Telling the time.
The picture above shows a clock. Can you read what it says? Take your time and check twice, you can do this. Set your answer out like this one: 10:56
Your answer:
8:33
